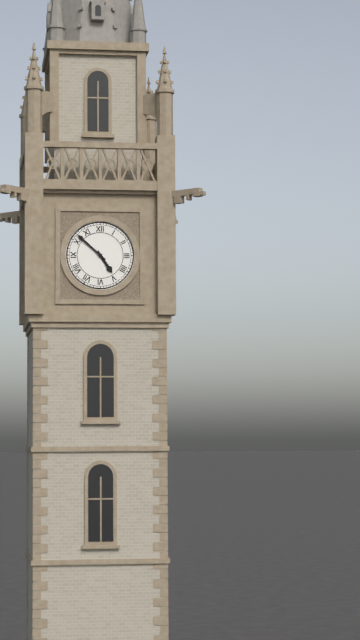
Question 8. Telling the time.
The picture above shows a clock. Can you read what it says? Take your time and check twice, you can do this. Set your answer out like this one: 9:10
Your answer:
4:52
